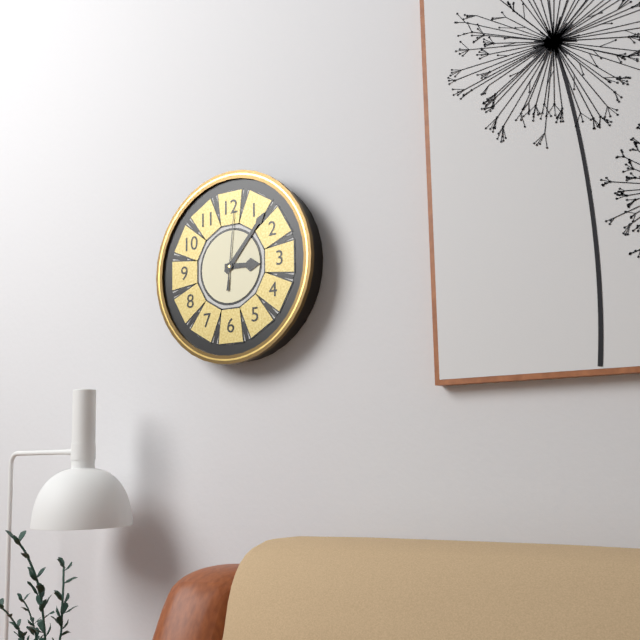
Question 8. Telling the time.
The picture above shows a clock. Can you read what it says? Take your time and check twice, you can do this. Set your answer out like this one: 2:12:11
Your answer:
3:07:01
